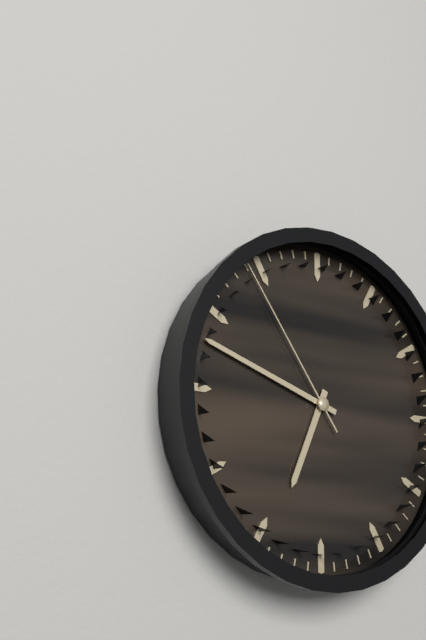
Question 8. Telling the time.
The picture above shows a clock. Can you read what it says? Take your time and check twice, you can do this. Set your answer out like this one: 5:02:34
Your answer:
6:48:54
